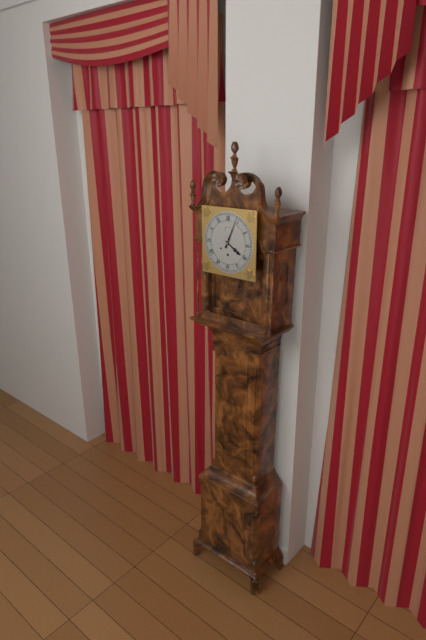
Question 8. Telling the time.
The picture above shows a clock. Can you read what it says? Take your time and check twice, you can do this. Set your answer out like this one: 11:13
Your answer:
4:04
